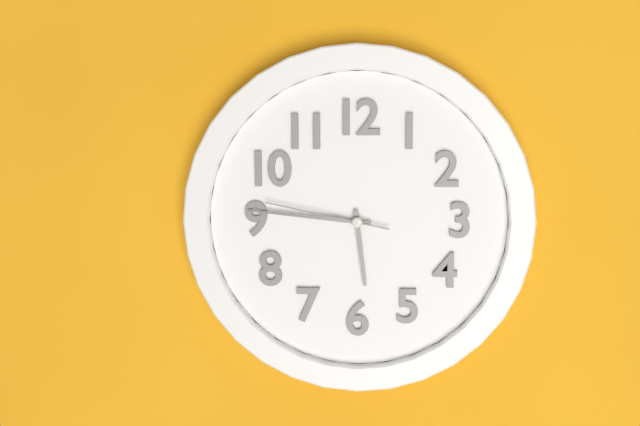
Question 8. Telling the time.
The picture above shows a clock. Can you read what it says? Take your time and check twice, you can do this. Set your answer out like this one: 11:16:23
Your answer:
5:46:47
